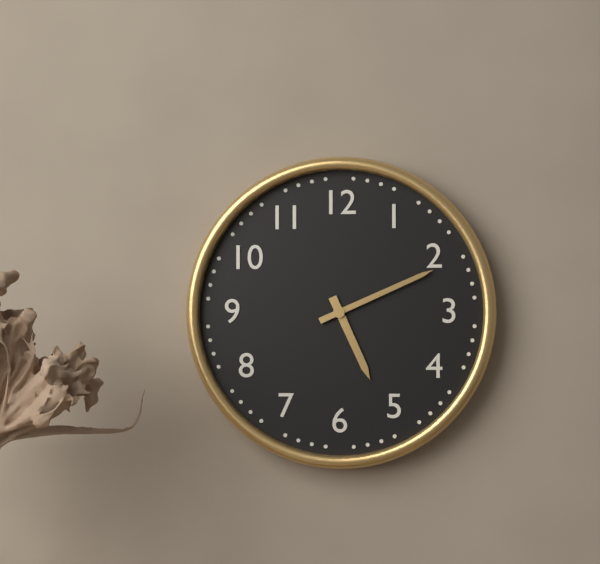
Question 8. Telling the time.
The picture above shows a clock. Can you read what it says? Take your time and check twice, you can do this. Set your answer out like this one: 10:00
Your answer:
5:11
